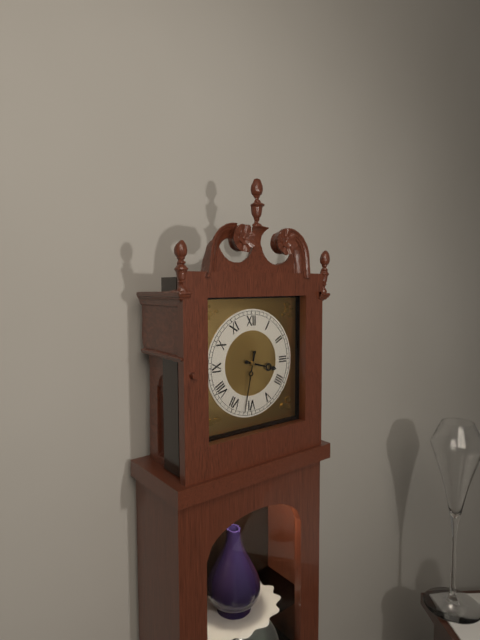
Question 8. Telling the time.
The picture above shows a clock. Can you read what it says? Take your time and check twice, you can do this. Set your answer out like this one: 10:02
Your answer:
3:32
